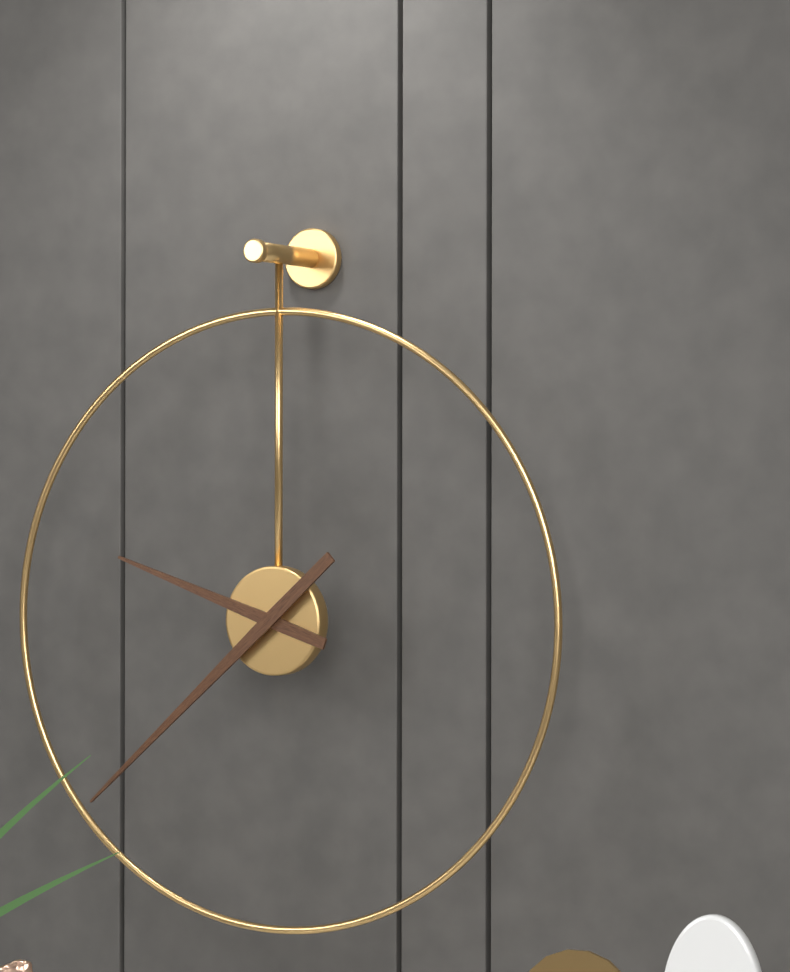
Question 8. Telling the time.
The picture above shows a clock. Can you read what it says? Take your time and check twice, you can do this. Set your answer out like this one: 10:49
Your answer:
9:38
